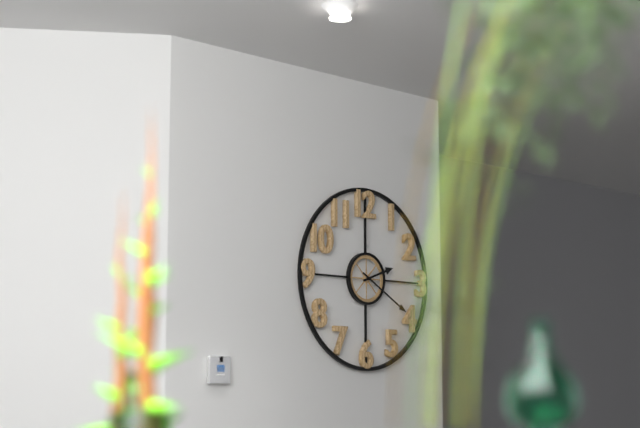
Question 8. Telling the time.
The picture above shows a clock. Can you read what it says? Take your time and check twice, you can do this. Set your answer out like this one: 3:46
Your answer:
2:20
